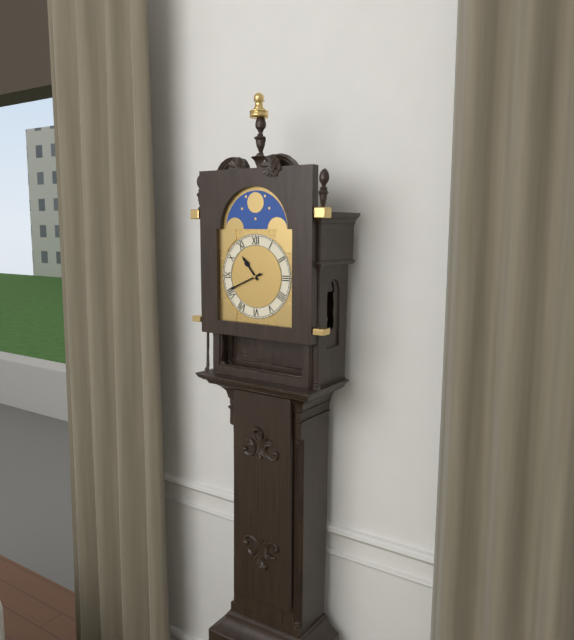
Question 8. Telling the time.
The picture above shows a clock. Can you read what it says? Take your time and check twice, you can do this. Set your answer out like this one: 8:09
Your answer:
10:41
